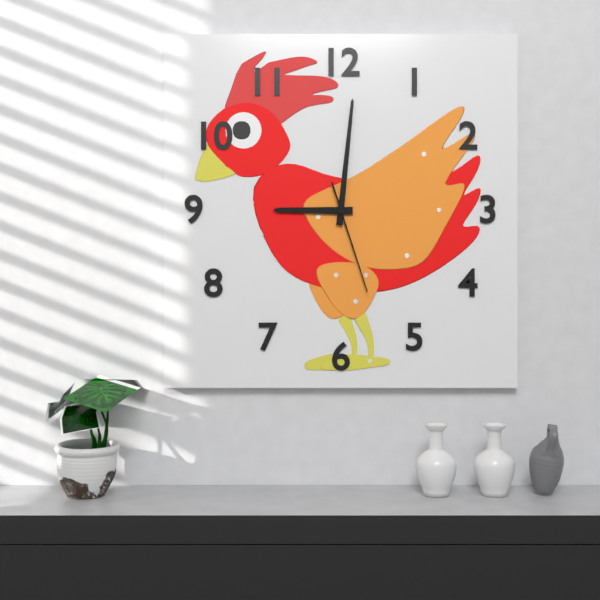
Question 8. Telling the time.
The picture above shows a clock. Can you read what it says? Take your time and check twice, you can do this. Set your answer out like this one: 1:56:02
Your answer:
9:01:27
